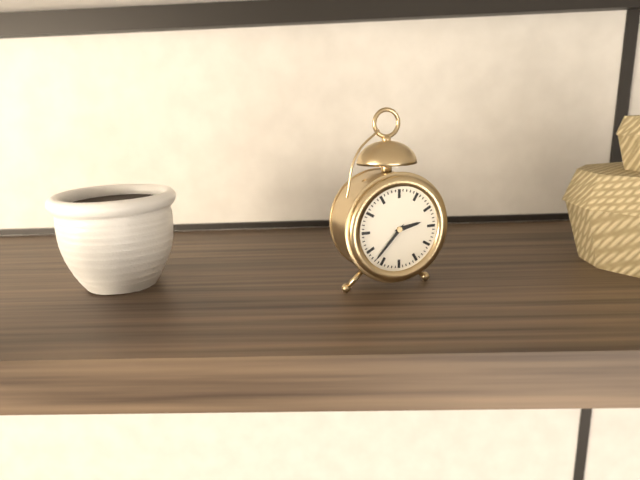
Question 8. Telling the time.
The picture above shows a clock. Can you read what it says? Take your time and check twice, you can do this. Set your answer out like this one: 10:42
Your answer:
2:37
